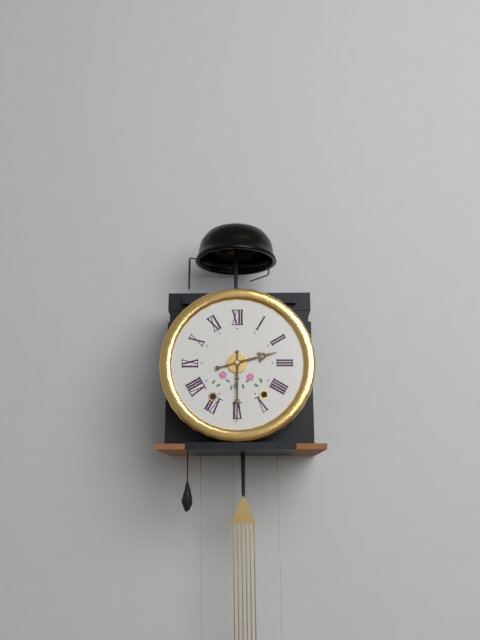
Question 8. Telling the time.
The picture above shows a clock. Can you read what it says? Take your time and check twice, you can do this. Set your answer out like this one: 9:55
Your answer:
2:30
